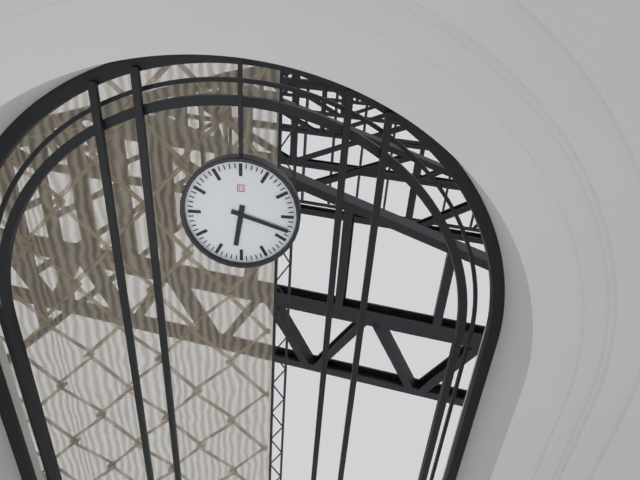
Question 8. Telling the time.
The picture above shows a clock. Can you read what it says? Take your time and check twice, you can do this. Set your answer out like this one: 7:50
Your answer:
6:18
